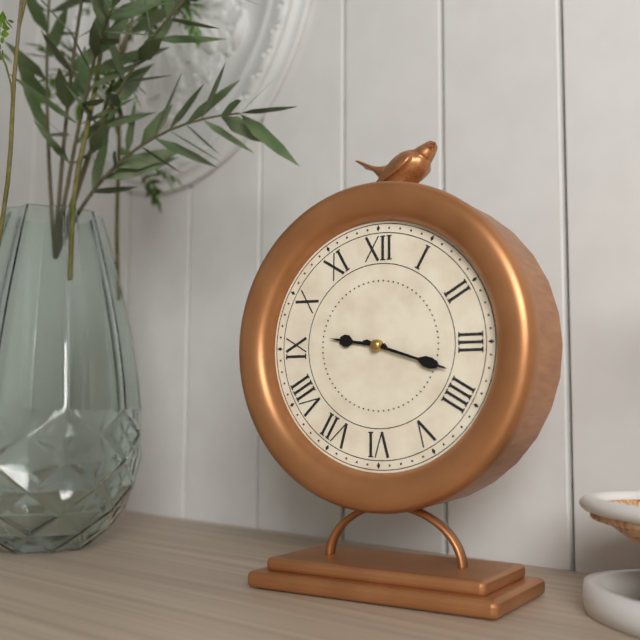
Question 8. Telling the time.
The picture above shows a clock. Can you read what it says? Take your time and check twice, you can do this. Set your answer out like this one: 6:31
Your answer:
9:18
